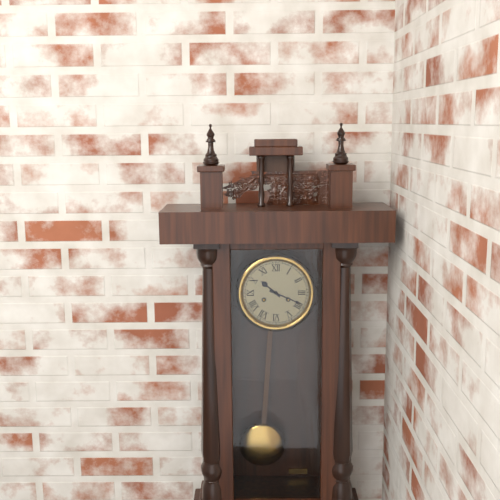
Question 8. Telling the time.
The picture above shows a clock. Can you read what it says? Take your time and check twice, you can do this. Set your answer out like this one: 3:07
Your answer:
10:19
